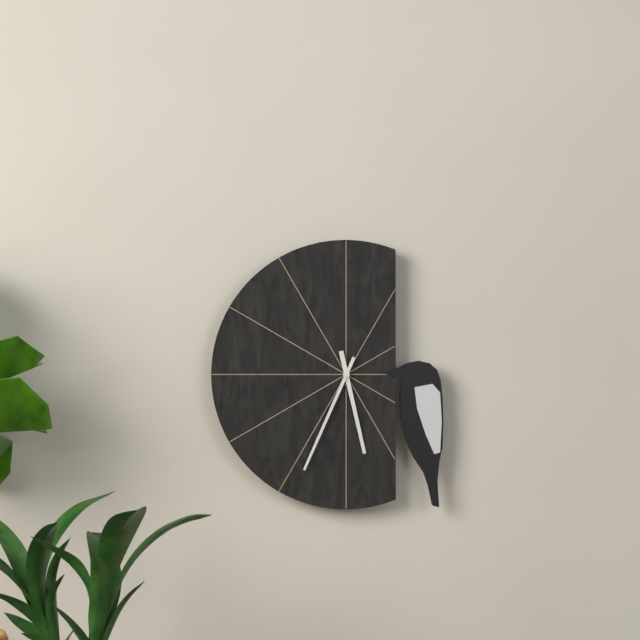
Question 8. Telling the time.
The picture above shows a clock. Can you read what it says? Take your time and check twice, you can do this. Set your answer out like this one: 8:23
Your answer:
5:34
